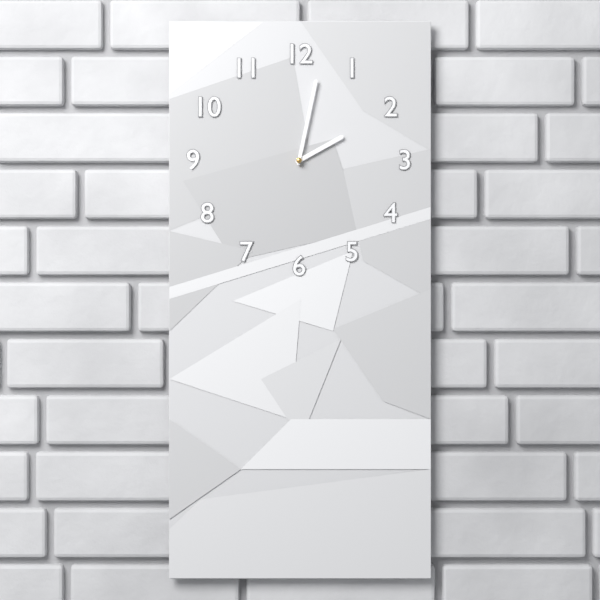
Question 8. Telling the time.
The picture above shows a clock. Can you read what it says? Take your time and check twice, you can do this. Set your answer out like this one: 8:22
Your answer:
2:02
